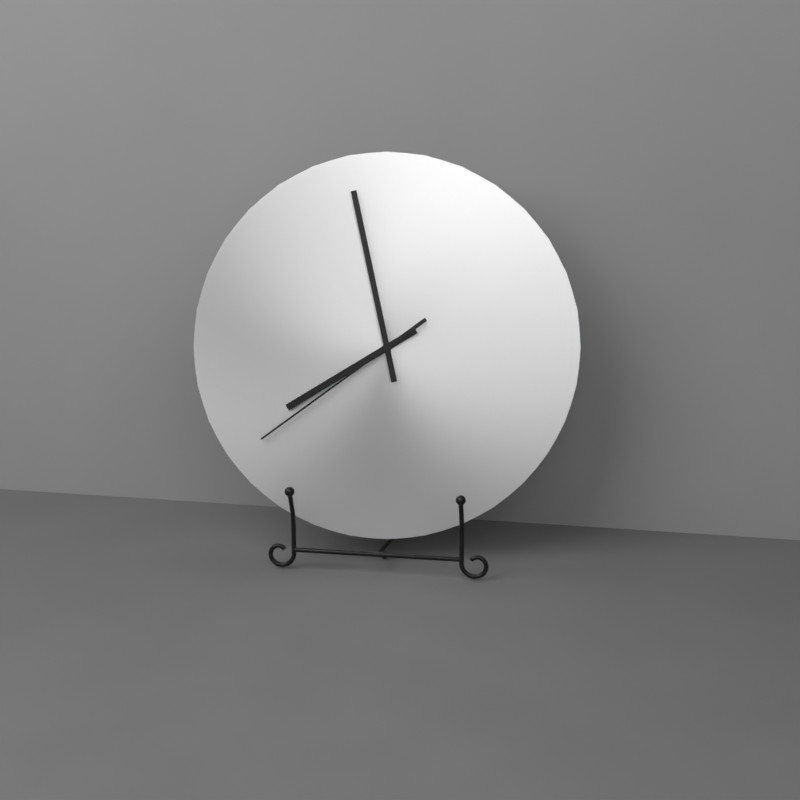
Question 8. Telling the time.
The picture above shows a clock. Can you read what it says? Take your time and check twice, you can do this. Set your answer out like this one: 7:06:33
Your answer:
7:58:39
